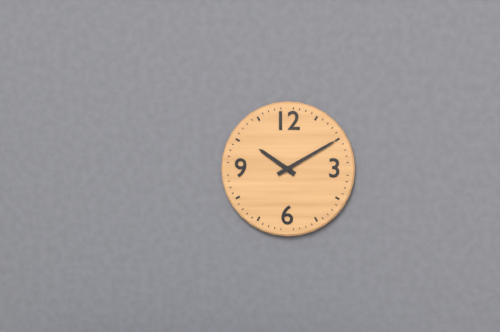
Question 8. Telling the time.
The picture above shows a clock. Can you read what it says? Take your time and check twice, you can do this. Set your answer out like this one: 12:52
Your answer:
10:10
